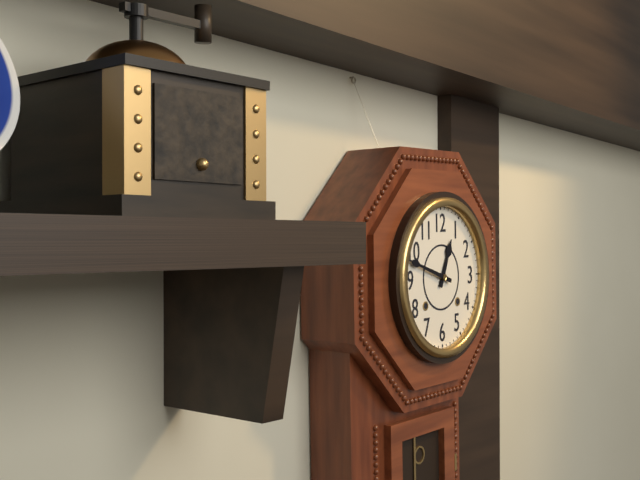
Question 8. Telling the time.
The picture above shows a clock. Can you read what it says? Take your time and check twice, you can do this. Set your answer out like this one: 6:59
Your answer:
12:48
